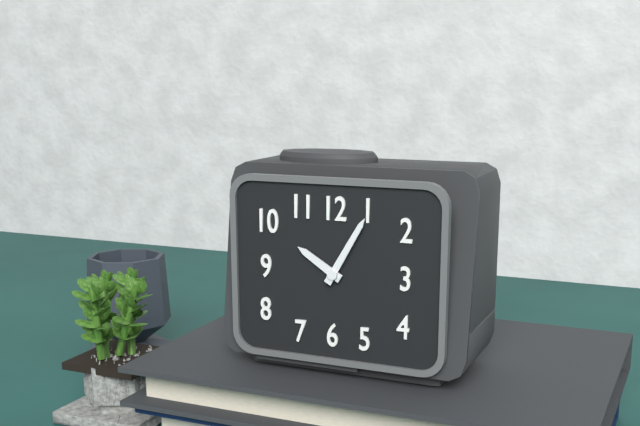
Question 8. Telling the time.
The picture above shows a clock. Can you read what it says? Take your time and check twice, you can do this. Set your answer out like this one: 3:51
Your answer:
10:05
